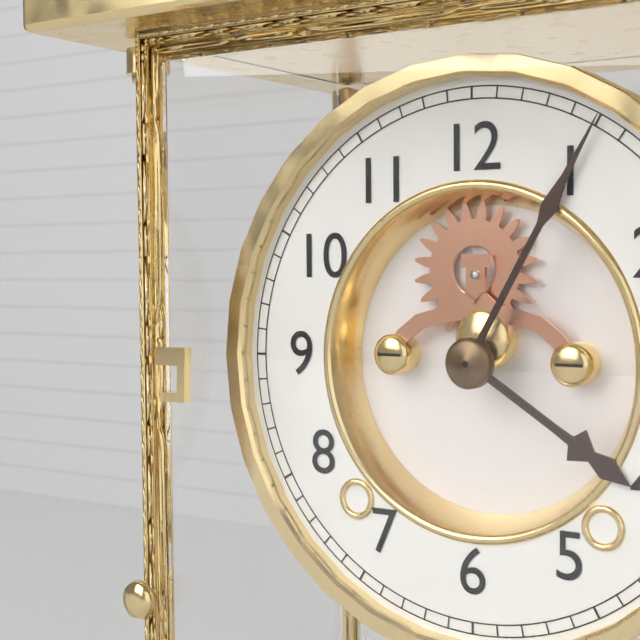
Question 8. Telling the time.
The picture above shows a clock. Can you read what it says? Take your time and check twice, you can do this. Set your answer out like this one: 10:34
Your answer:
4:05
